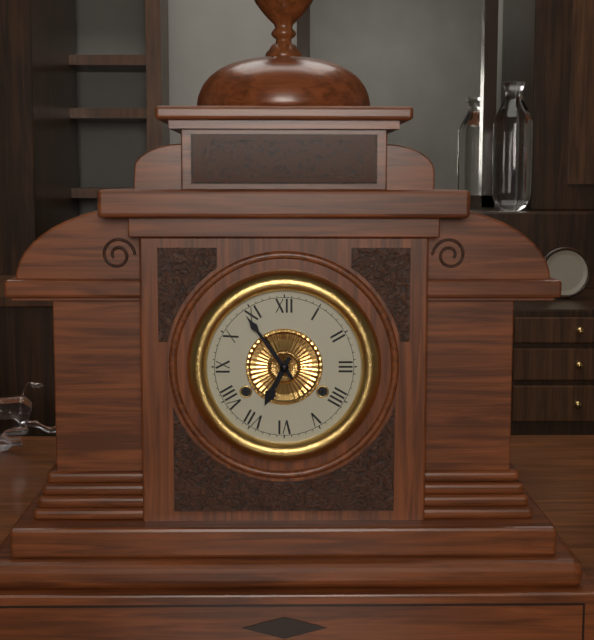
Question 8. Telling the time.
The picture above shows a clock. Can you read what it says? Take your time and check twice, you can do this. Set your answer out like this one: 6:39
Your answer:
6:54
